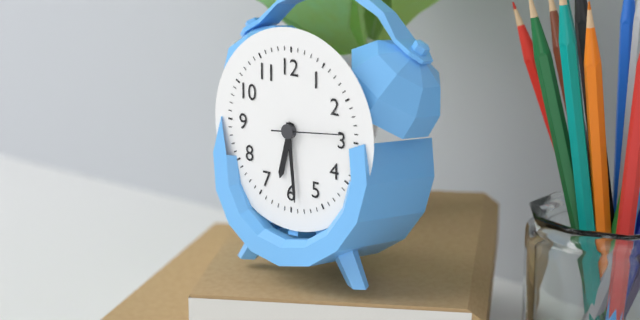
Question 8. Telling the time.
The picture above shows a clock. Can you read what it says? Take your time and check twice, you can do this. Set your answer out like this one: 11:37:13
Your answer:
6:29:14
